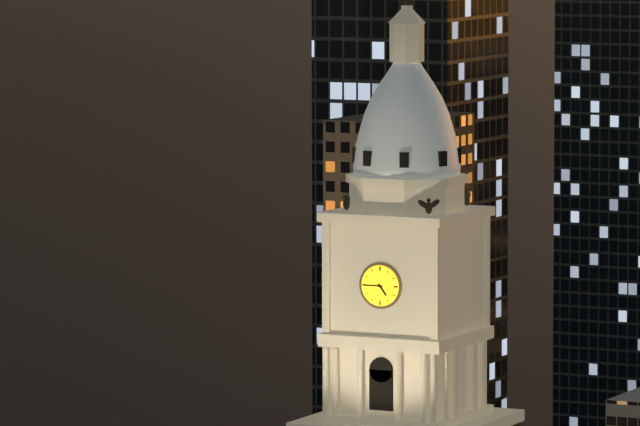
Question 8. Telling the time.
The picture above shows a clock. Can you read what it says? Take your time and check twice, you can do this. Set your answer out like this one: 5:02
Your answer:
4:45
